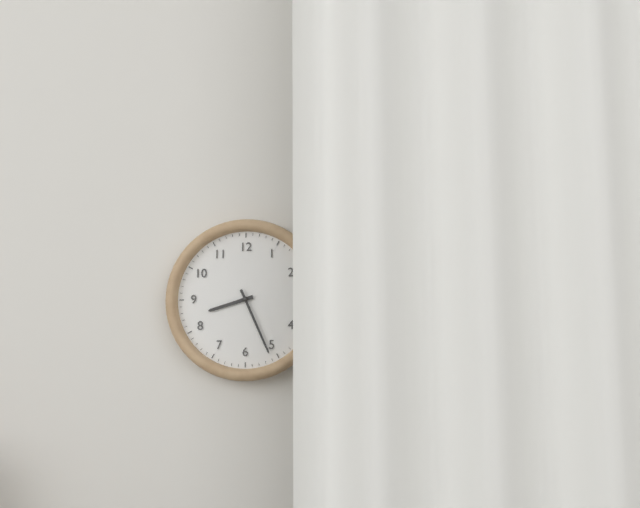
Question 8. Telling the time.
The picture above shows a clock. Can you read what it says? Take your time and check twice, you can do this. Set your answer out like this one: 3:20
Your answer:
8:26
